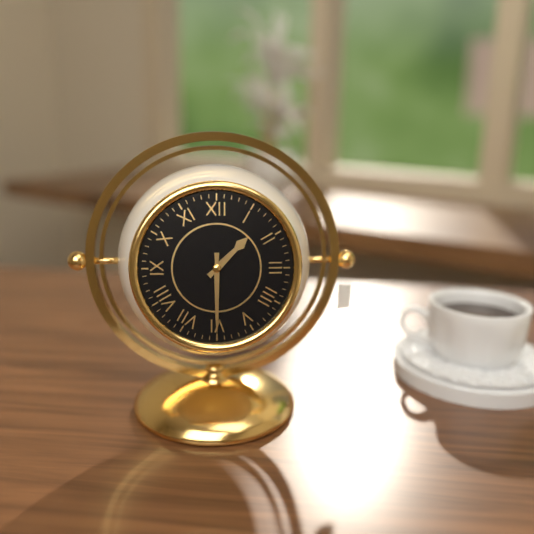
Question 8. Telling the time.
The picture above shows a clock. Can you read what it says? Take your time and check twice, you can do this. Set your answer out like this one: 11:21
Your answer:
1:30
